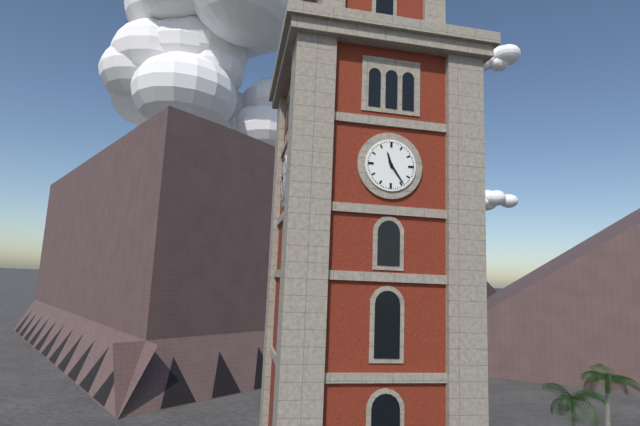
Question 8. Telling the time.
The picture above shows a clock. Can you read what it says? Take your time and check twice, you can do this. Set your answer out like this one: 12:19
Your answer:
11:24
